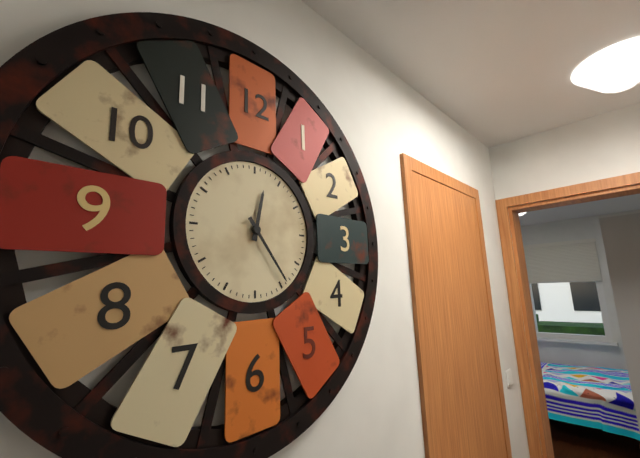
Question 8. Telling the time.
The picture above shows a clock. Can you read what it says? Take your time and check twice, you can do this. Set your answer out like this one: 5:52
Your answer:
12:24
